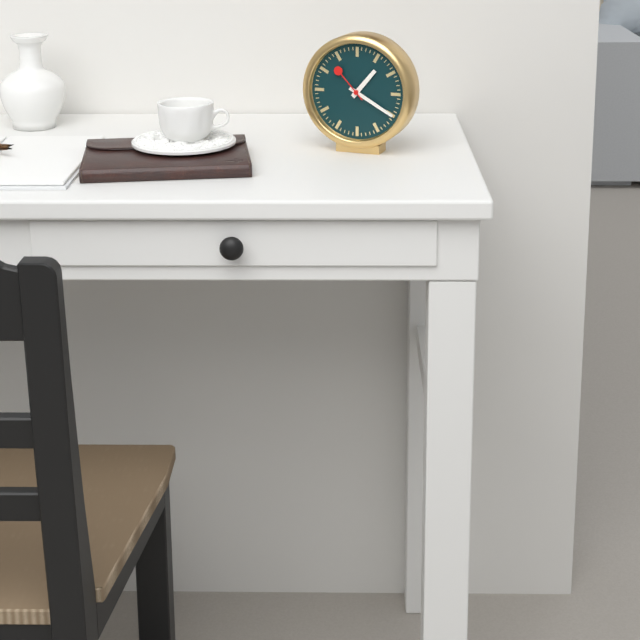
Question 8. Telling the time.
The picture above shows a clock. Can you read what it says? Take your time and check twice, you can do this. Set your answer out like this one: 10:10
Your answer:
1:20
